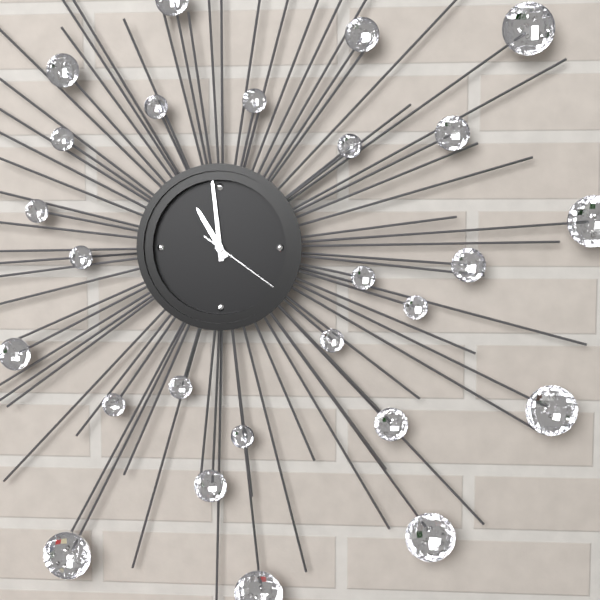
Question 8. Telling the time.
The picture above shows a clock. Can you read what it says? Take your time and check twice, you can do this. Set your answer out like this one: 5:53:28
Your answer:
10:59:21
